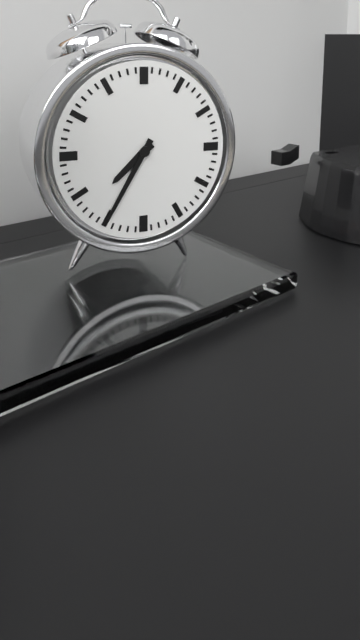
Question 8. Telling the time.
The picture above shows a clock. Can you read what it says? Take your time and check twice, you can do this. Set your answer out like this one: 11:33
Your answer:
7:35
